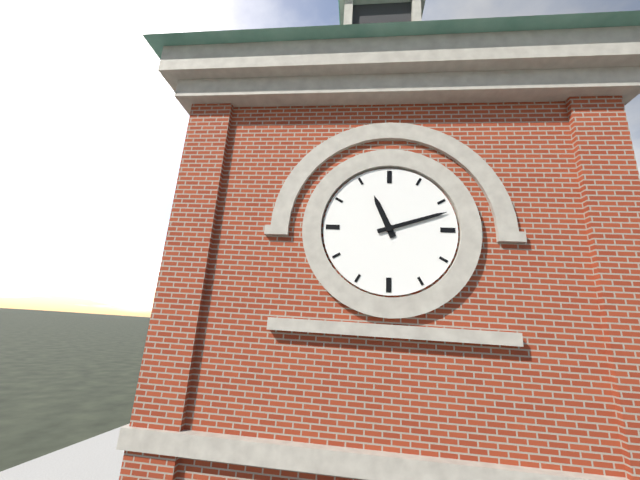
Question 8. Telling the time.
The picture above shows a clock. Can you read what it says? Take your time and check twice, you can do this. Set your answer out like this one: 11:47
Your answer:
11:12
